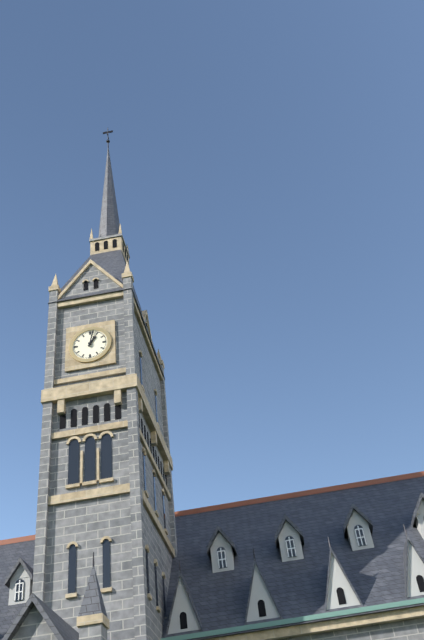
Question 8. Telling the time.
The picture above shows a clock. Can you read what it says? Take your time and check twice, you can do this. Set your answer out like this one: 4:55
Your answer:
1:02
